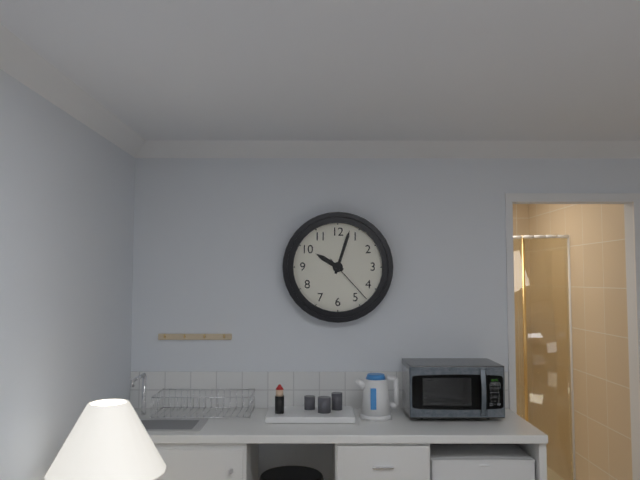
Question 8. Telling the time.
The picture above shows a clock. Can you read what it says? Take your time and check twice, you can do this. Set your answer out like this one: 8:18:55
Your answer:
10:03:23
